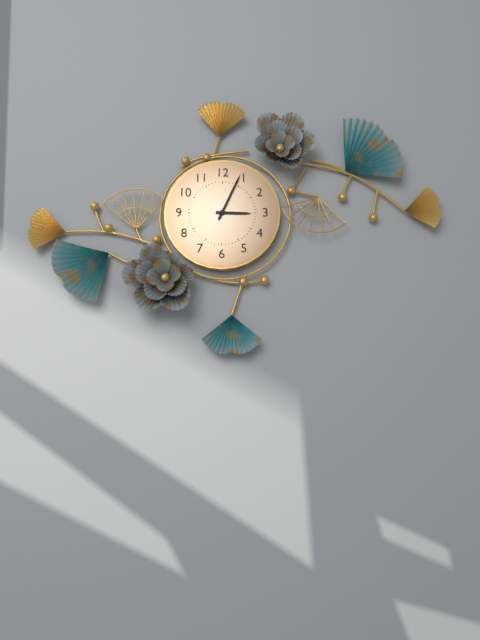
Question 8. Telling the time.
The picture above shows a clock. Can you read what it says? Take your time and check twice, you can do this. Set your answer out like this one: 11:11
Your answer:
3:04
